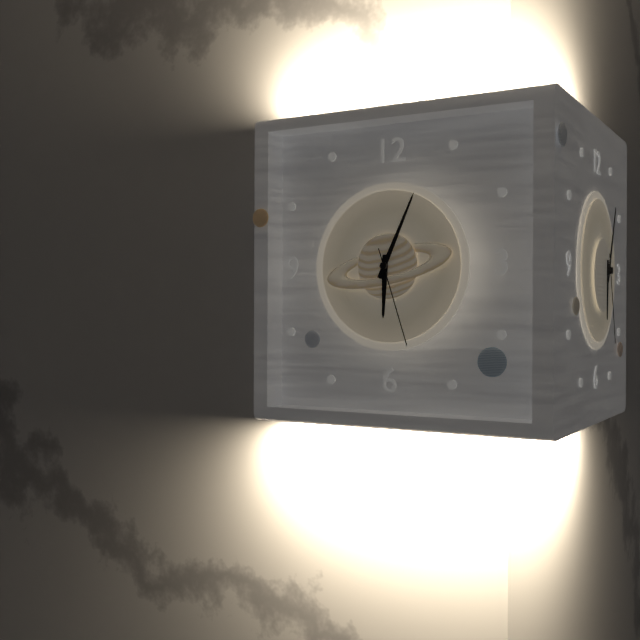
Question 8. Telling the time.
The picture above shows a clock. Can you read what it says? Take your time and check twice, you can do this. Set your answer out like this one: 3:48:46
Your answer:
6:04:27
